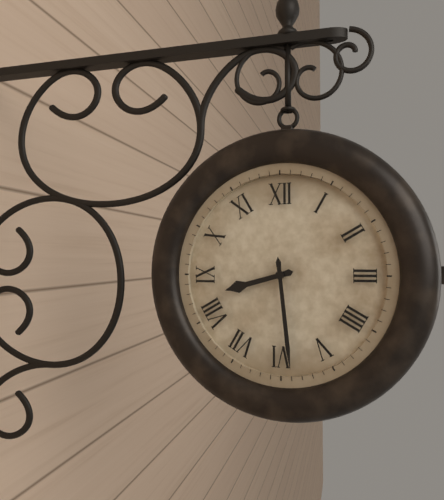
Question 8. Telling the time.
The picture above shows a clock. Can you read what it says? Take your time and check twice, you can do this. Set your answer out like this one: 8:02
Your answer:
8:29
